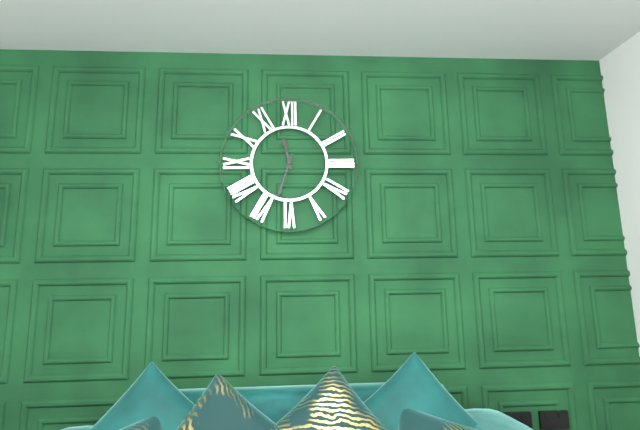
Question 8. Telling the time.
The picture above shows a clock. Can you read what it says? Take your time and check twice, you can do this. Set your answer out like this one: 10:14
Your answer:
11:33
